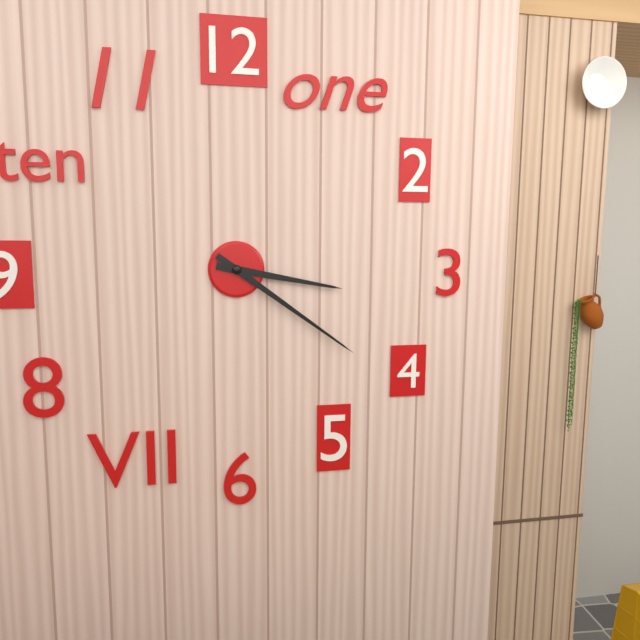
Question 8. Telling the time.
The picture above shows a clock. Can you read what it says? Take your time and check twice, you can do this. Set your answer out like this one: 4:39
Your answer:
3:21
